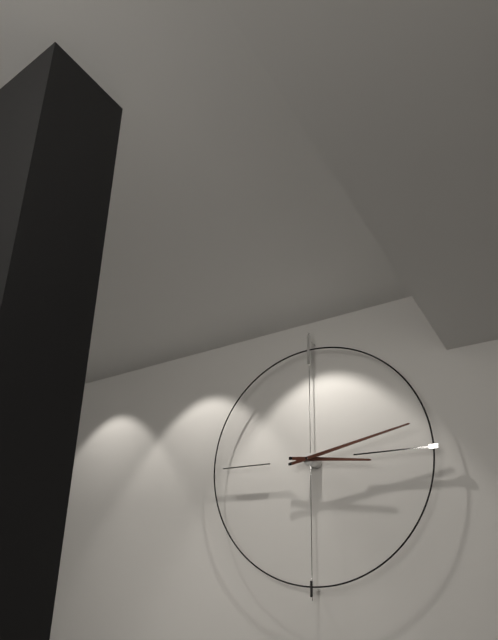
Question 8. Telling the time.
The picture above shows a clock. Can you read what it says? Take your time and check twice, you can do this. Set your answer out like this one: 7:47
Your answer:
3:13
